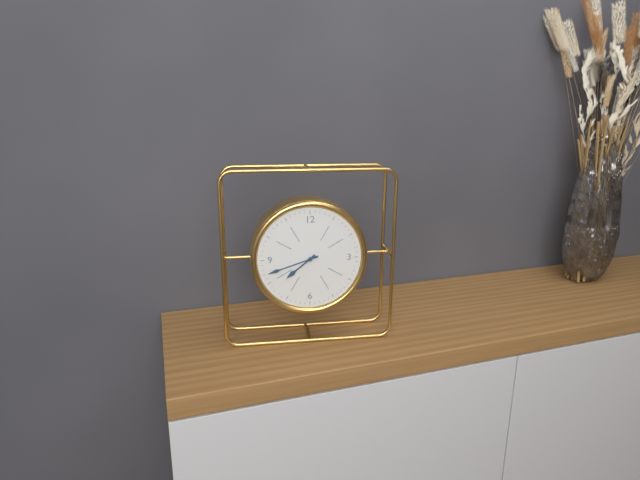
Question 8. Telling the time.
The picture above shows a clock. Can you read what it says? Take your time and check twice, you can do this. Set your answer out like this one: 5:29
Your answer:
7:42
